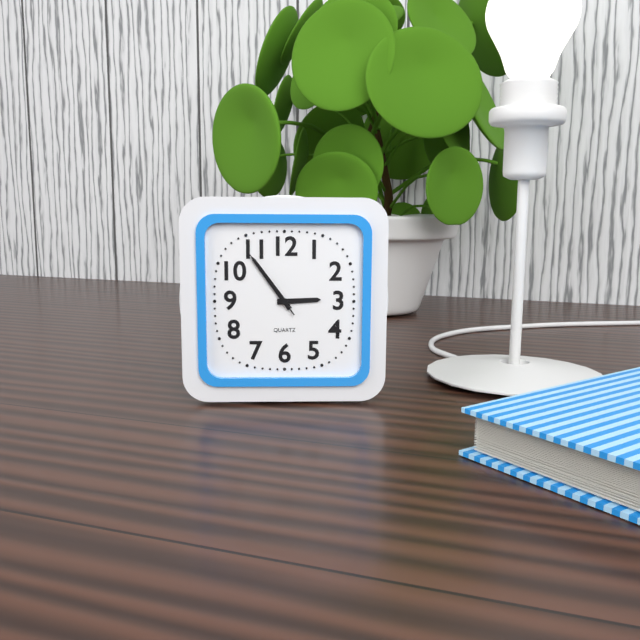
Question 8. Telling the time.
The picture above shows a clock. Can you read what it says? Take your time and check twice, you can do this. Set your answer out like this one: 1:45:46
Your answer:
2:54:54
